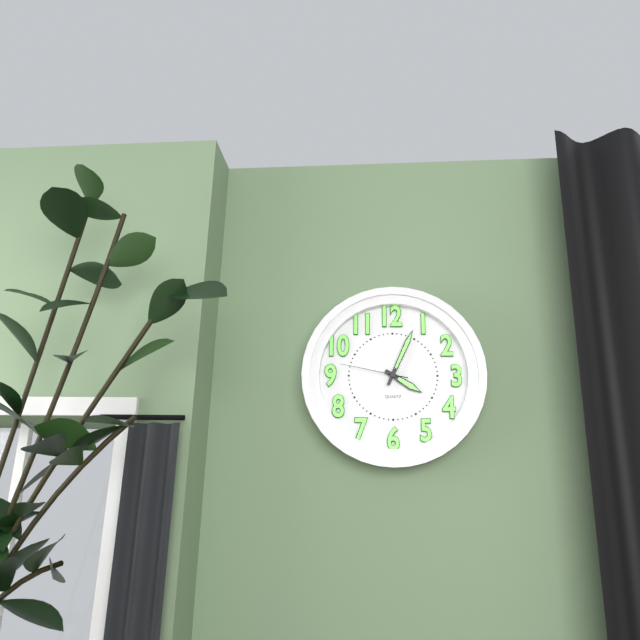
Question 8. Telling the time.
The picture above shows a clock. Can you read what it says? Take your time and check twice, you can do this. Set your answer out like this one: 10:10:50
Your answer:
4:04:47
